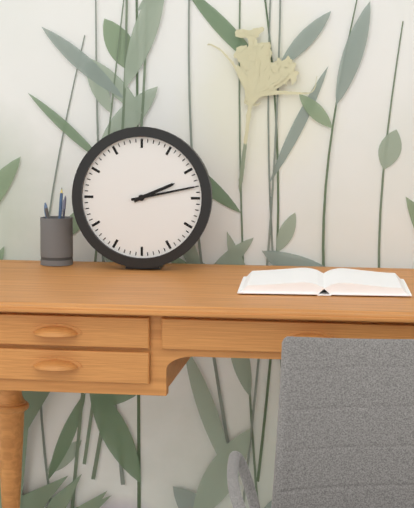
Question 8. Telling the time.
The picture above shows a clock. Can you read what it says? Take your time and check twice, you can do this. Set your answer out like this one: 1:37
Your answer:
2:13
